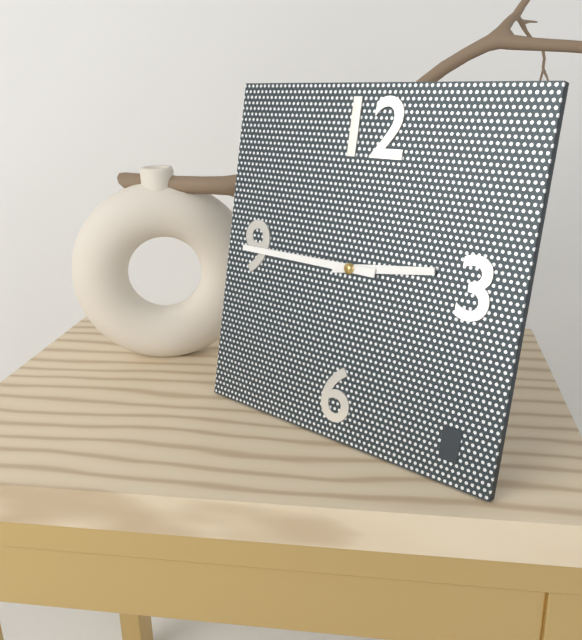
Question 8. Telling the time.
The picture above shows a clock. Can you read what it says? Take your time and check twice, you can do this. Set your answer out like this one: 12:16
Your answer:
2:45
